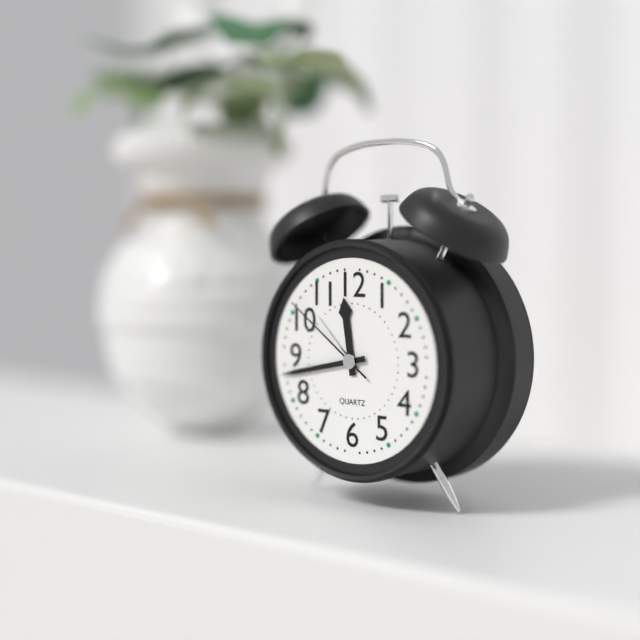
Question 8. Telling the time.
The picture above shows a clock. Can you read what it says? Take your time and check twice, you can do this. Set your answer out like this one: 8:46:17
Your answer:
11:43:51
